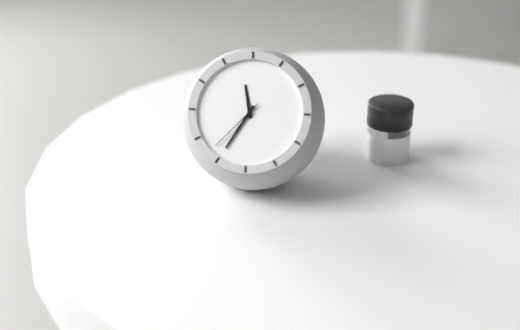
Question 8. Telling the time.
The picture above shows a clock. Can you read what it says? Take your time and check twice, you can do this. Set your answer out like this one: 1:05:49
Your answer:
11:35:37
